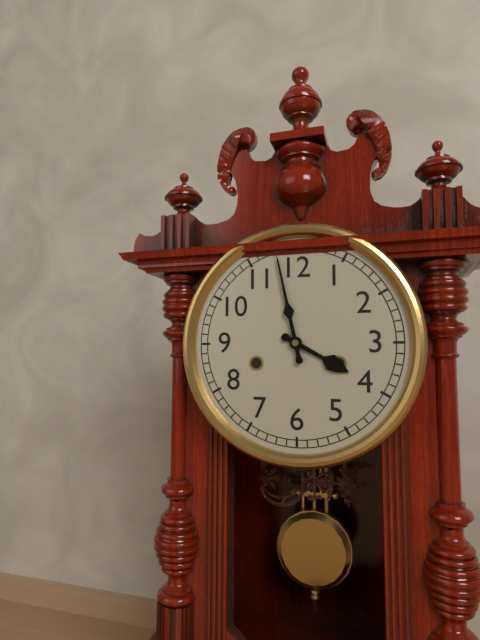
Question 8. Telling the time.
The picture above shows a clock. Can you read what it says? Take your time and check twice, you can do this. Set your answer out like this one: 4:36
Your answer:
3:58
